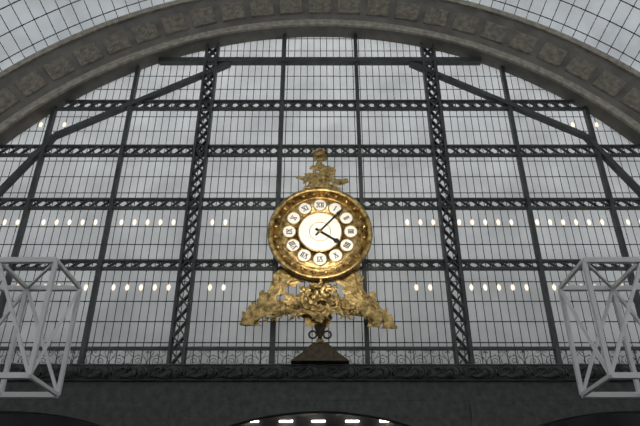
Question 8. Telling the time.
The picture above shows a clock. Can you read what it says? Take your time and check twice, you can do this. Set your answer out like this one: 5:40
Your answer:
4:07
